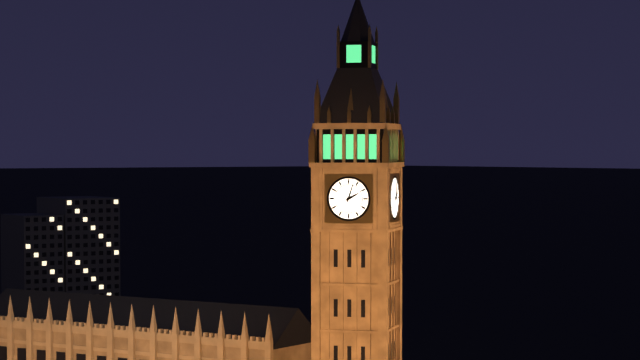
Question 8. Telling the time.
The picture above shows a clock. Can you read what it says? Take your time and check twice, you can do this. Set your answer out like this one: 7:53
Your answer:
2:03
